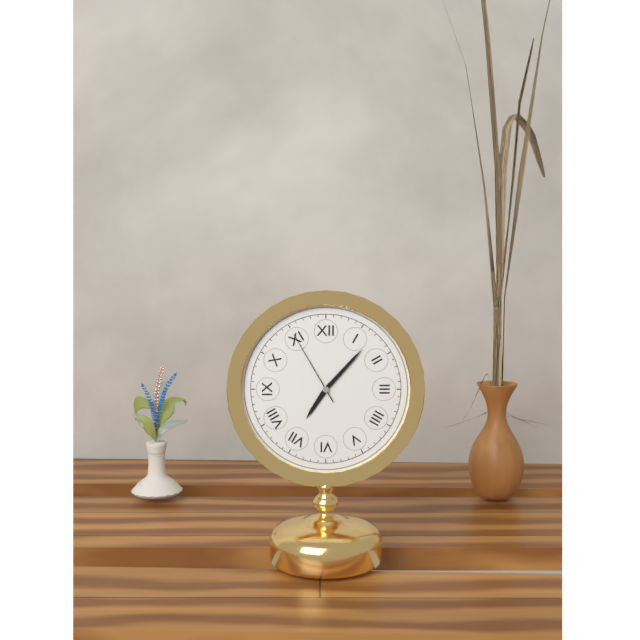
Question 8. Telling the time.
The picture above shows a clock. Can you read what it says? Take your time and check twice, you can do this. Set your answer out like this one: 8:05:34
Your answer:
7:07:55
